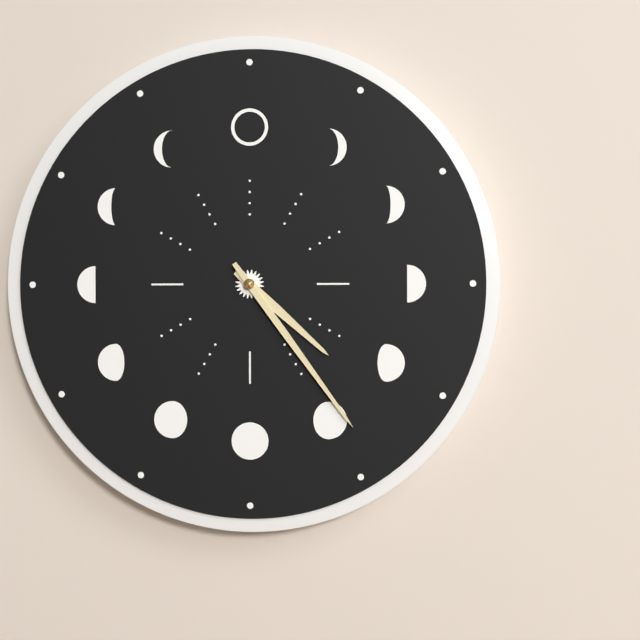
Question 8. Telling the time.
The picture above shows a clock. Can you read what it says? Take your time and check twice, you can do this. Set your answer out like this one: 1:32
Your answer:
4:24
